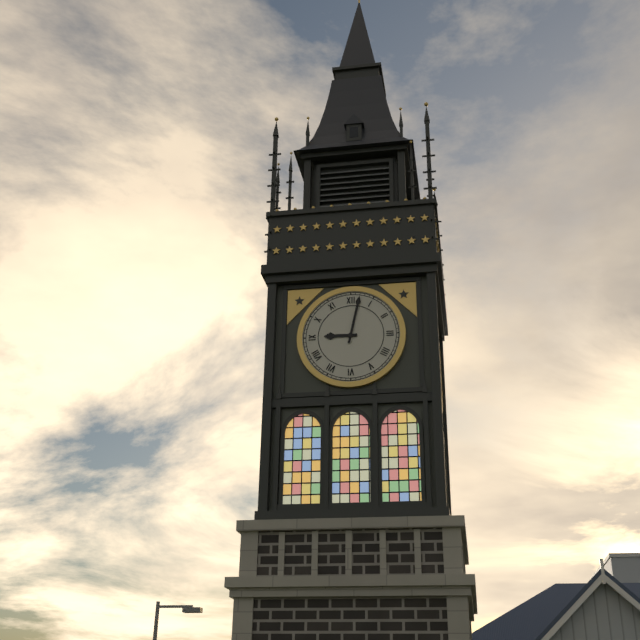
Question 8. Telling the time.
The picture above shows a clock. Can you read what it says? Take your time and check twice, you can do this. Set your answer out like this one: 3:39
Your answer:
9:02
